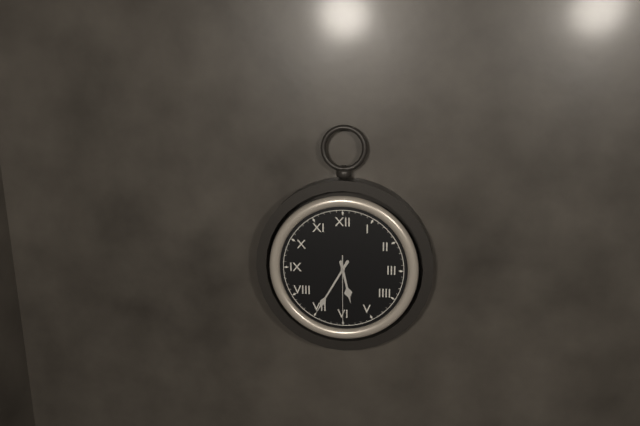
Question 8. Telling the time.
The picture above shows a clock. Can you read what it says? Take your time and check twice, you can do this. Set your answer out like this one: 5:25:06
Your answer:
5:35:30
